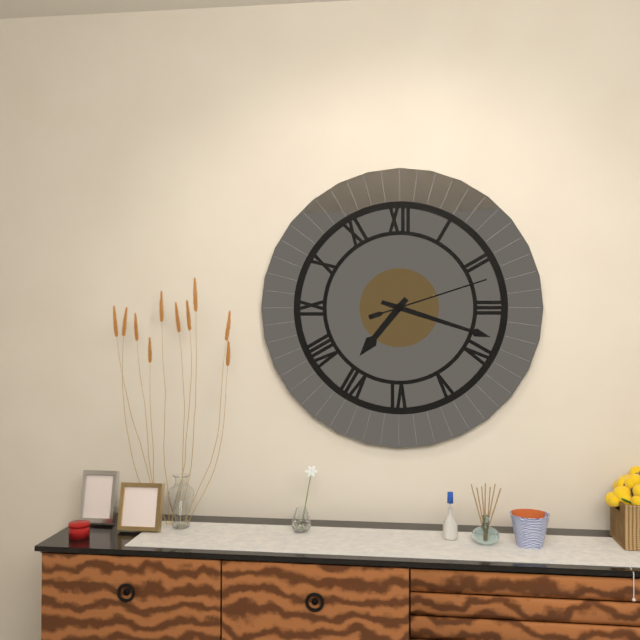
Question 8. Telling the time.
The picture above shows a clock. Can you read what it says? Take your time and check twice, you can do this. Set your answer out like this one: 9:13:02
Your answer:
7:18:12
